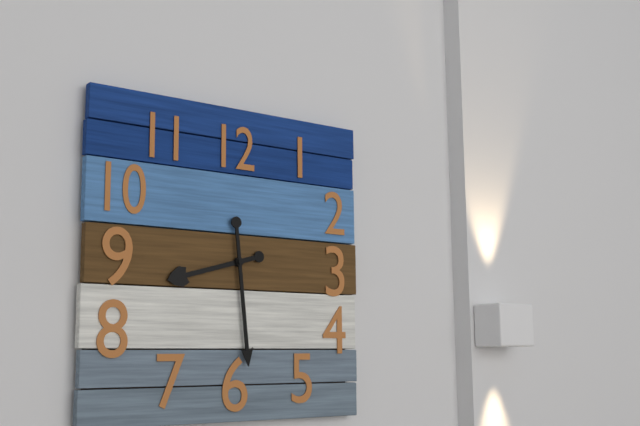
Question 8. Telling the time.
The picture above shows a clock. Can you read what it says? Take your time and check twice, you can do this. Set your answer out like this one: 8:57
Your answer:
8:29
